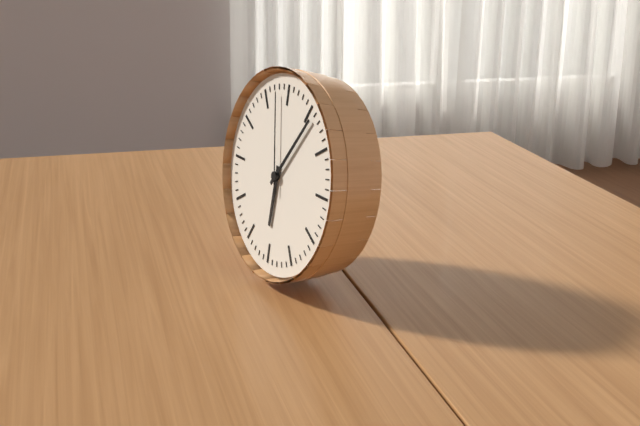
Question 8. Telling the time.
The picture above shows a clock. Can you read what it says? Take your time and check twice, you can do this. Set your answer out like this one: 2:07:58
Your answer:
6:06:58
